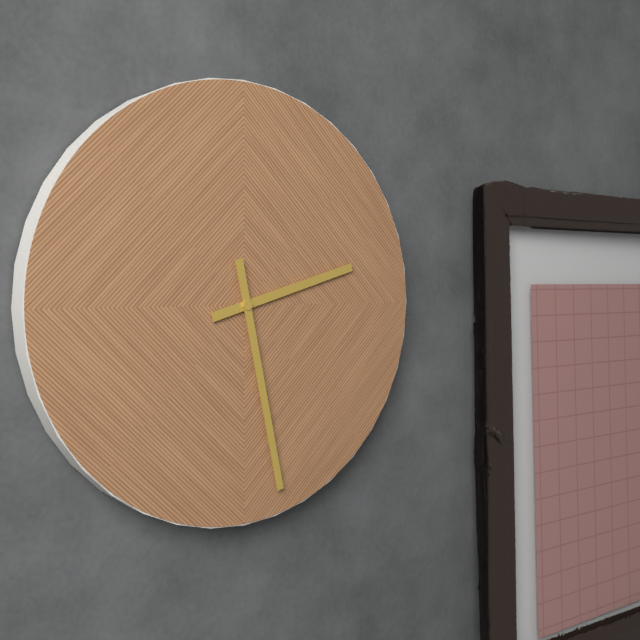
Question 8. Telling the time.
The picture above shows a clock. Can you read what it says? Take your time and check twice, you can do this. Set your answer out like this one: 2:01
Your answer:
2:28
